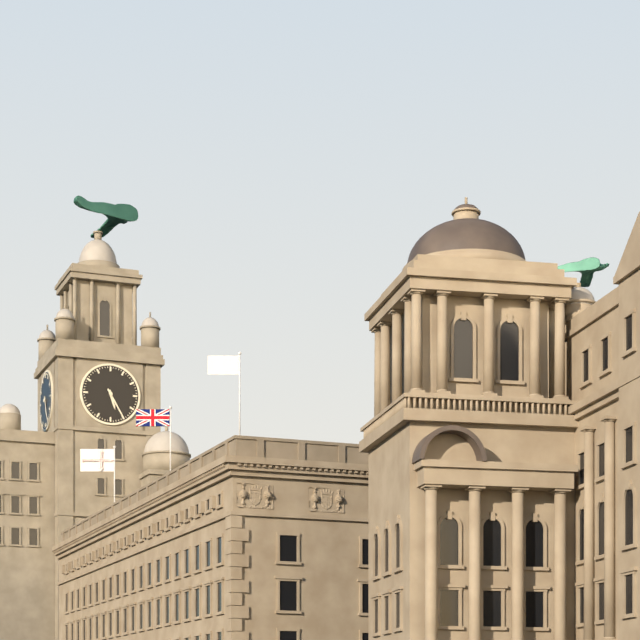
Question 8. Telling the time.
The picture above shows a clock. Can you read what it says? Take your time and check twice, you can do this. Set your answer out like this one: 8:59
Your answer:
5:25
